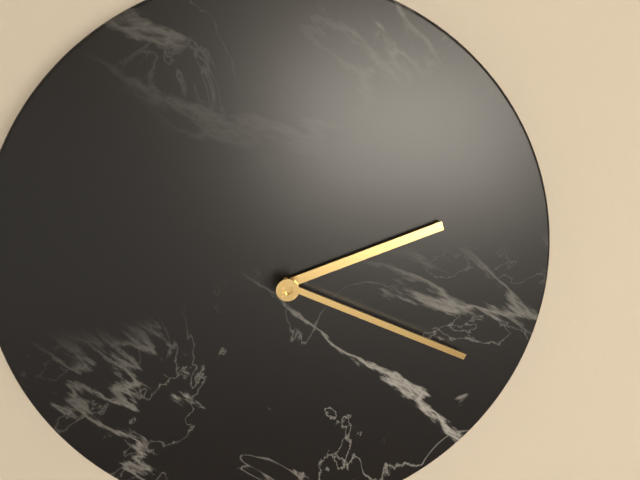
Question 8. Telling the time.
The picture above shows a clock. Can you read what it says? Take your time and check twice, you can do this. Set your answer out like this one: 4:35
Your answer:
2:19
